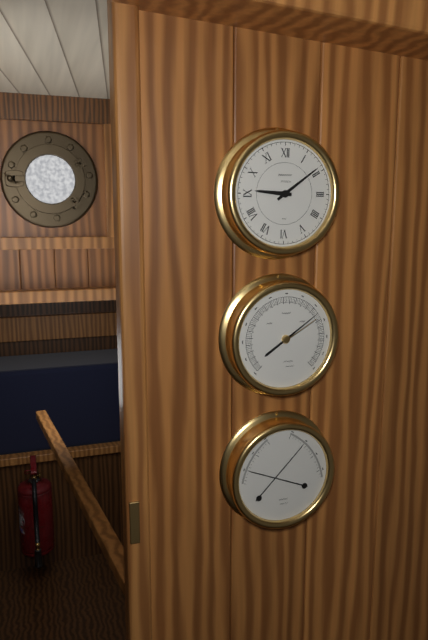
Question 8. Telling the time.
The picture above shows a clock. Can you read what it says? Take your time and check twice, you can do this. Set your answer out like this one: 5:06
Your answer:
9:09
